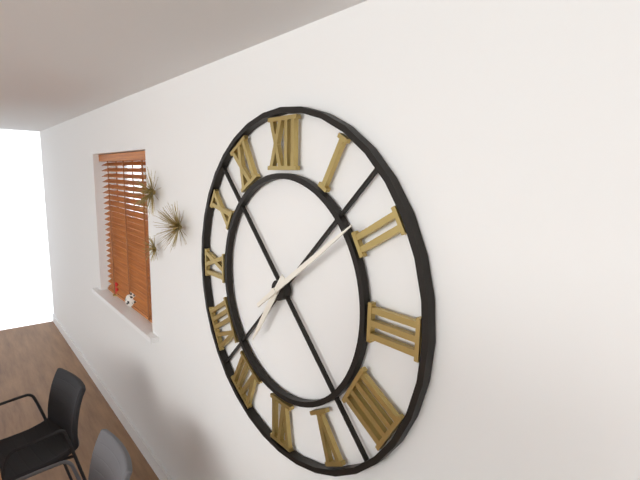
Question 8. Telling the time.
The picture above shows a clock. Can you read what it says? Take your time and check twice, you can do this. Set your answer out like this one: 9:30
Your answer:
7:09
